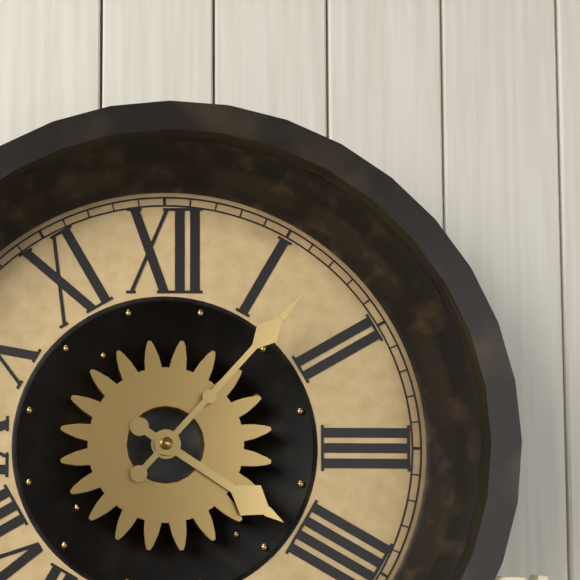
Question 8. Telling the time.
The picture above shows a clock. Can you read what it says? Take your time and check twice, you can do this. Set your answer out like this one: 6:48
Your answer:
4:07
